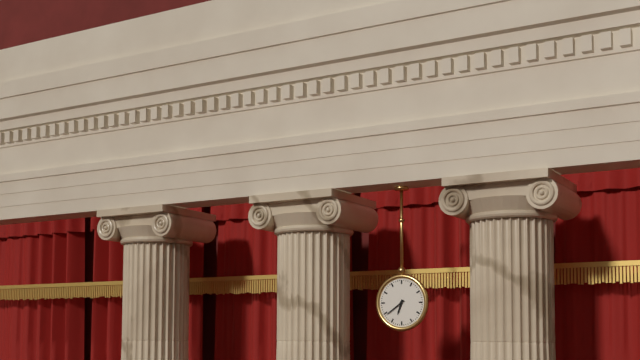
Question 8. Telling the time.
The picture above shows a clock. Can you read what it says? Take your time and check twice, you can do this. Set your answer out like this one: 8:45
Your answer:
6:39
